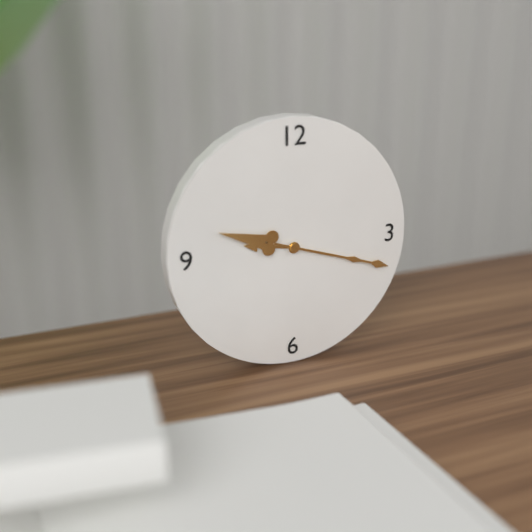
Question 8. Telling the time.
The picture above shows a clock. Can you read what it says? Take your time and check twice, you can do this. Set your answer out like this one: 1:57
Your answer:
9:18
